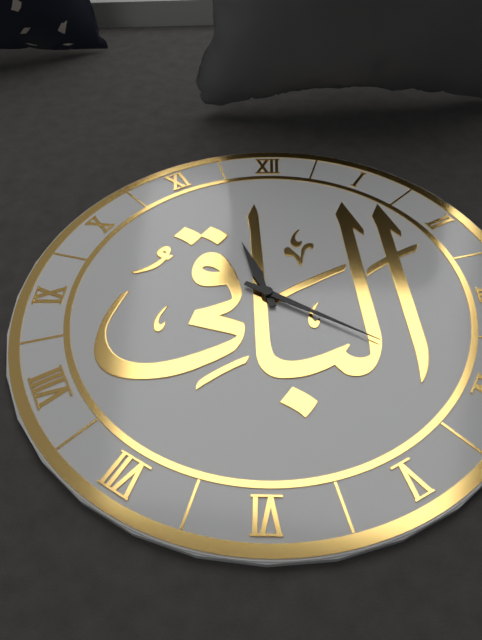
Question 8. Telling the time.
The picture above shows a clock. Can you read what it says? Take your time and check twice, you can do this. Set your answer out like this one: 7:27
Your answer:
11:20
